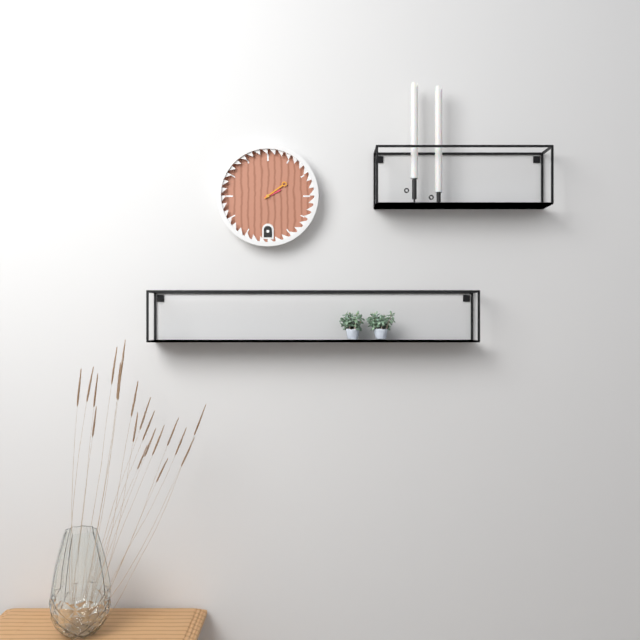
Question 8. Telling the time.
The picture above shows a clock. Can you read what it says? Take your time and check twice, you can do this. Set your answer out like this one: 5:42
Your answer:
2:09
